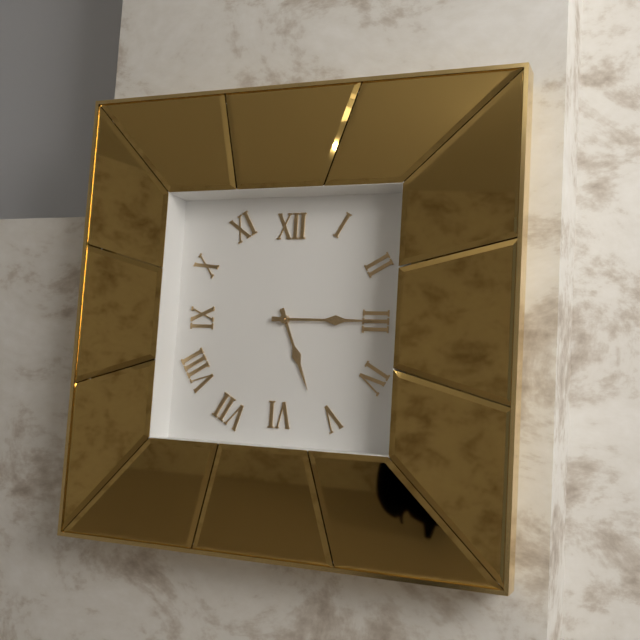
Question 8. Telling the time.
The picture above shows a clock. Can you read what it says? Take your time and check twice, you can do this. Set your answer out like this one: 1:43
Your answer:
5:15
